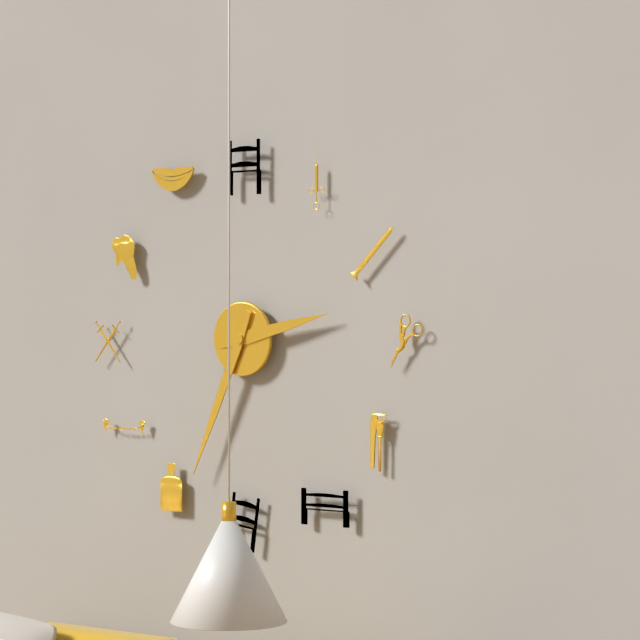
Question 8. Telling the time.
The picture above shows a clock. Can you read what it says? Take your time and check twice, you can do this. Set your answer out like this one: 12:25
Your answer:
2:34
